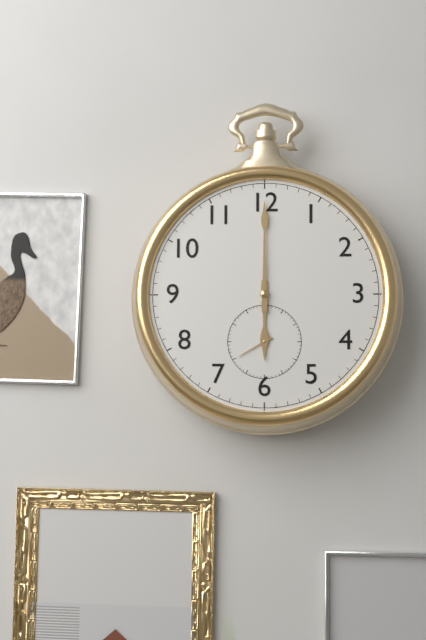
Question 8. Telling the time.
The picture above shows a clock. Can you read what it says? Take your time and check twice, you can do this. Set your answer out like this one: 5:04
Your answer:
6:00
